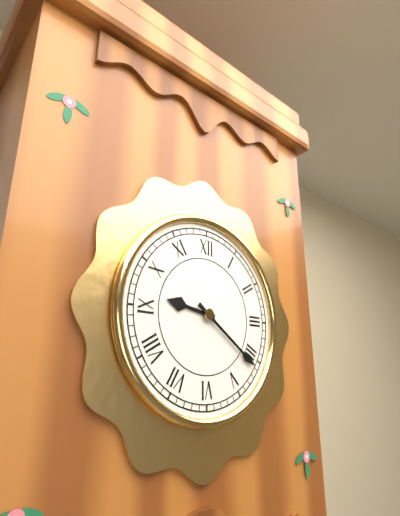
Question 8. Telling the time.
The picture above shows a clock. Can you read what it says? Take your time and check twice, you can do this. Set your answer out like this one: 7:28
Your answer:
9:21
